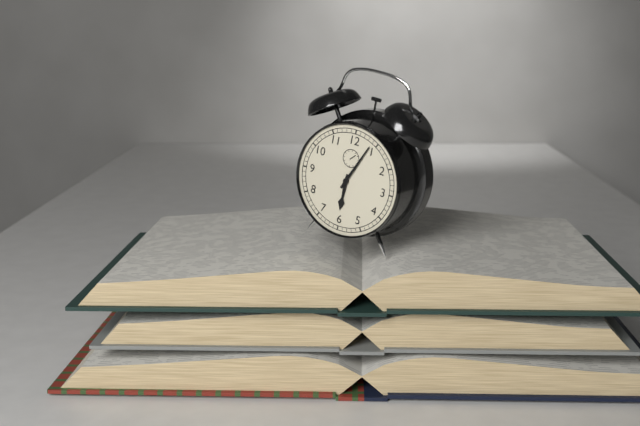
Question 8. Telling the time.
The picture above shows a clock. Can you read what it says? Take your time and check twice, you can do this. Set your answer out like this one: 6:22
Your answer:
6:04
